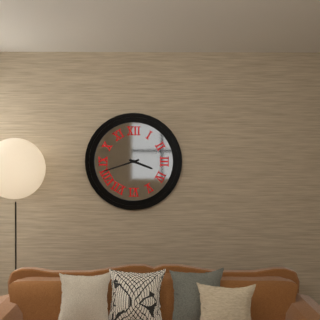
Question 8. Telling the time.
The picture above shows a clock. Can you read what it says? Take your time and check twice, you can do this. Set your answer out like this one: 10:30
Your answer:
3:42
